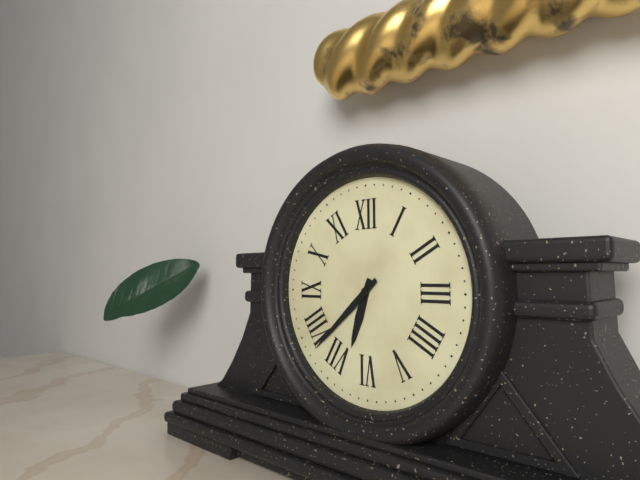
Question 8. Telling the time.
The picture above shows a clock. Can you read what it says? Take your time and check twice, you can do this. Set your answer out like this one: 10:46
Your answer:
6:38
